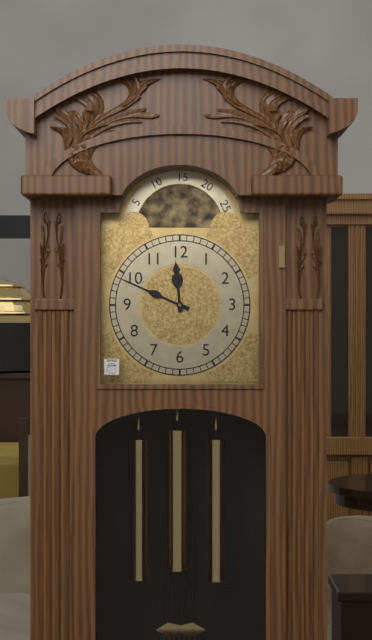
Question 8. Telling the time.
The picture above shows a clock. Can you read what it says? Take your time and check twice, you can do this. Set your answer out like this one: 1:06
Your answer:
11:49
